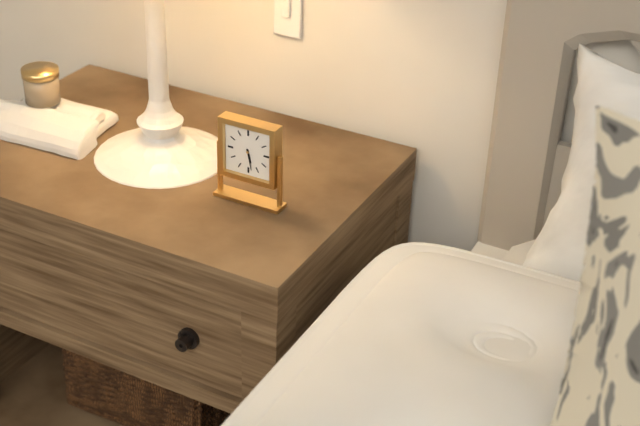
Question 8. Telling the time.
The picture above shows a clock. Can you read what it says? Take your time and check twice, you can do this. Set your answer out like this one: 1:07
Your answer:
5:28
